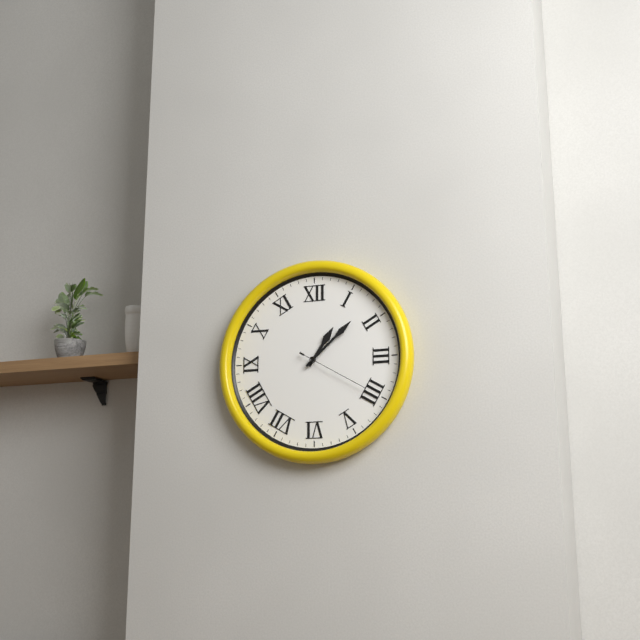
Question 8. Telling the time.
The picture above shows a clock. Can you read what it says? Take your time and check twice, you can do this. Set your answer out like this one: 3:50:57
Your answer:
1:08:20
